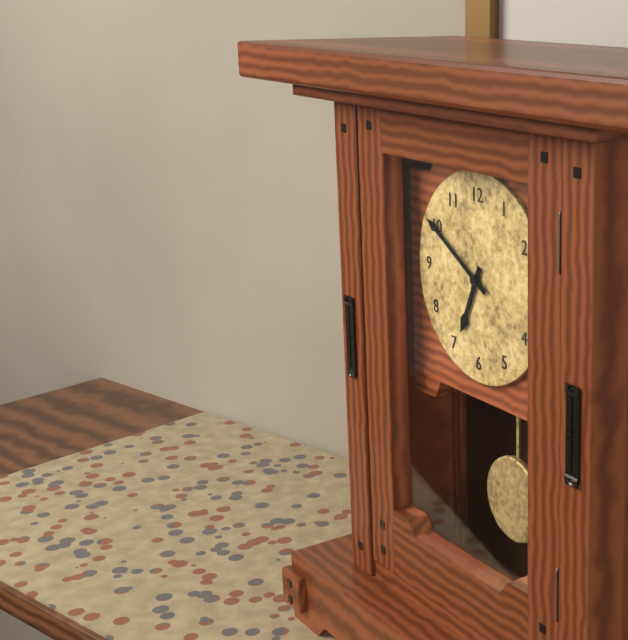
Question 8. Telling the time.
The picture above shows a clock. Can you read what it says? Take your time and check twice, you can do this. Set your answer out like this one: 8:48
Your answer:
6:50
